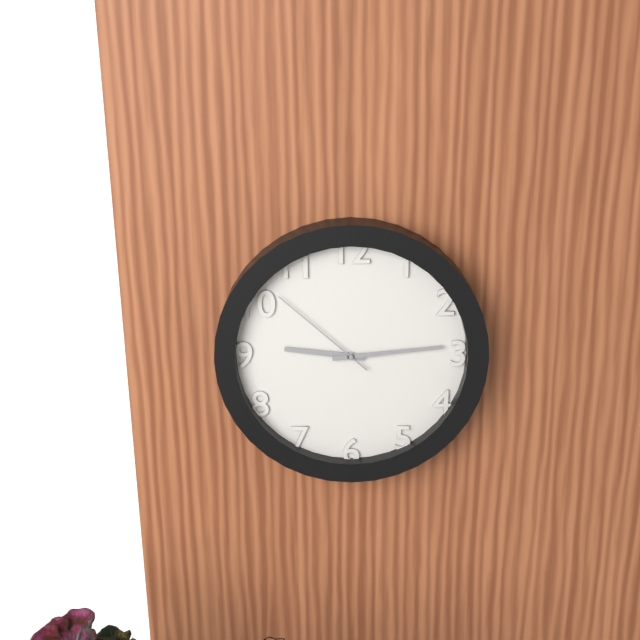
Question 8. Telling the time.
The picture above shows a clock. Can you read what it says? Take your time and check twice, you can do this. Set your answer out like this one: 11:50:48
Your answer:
9:14:52
